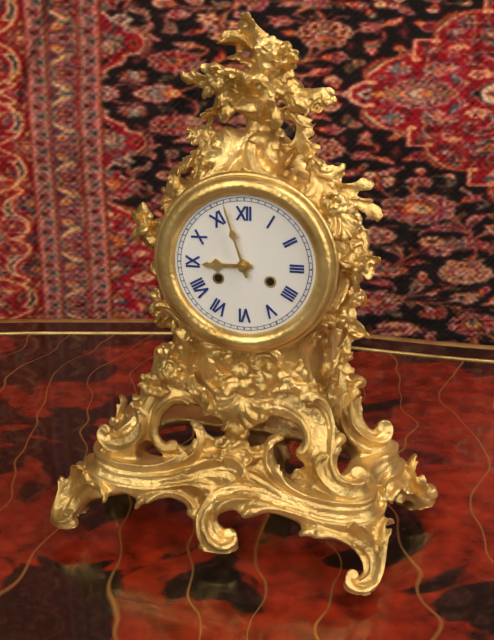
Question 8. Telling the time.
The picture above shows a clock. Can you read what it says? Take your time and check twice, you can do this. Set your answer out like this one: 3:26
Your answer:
8:57
